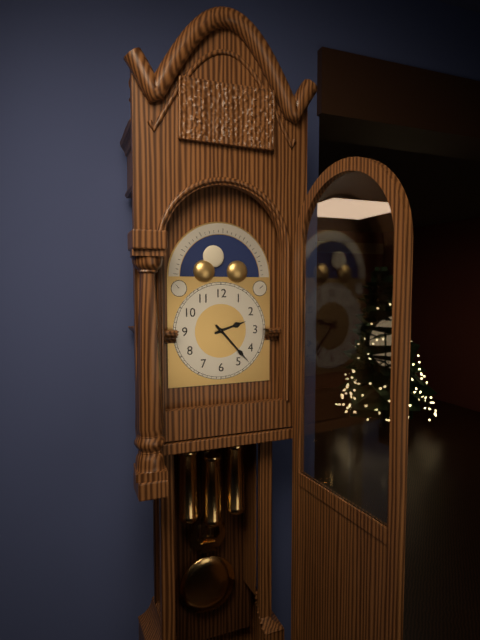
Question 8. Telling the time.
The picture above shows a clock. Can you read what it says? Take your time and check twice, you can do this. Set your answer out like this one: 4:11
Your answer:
2:23
